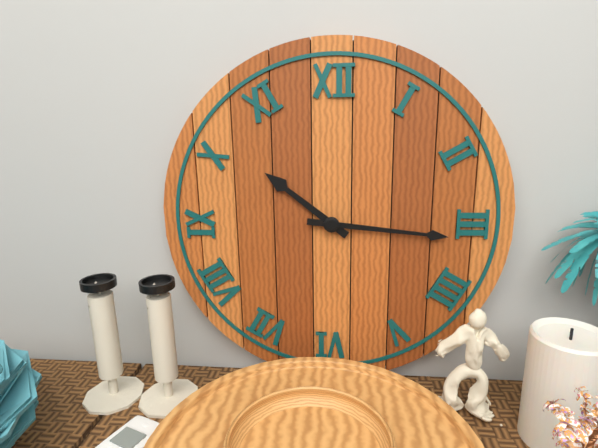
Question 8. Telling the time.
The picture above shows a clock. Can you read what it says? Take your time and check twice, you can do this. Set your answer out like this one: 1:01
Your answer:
10:16
